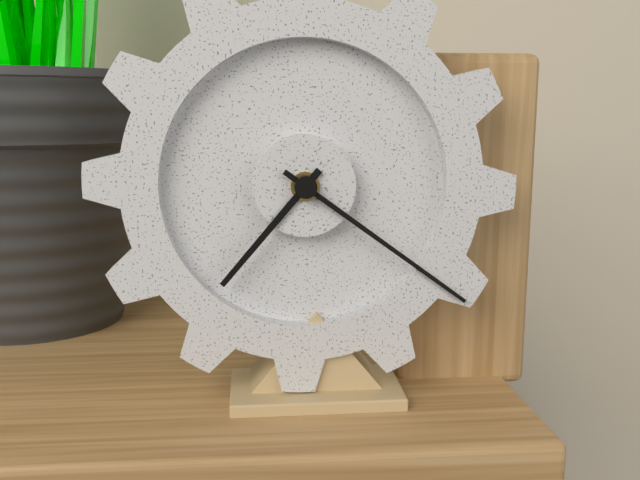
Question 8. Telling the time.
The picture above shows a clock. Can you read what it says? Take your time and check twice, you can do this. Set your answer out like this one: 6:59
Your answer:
7:21
